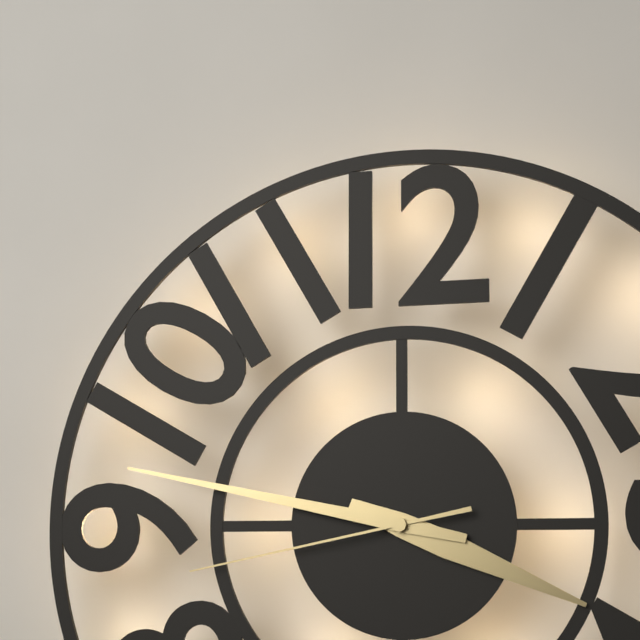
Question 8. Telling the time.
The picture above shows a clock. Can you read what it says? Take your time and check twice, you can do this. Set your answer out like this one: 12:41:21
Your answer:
3:47:43
